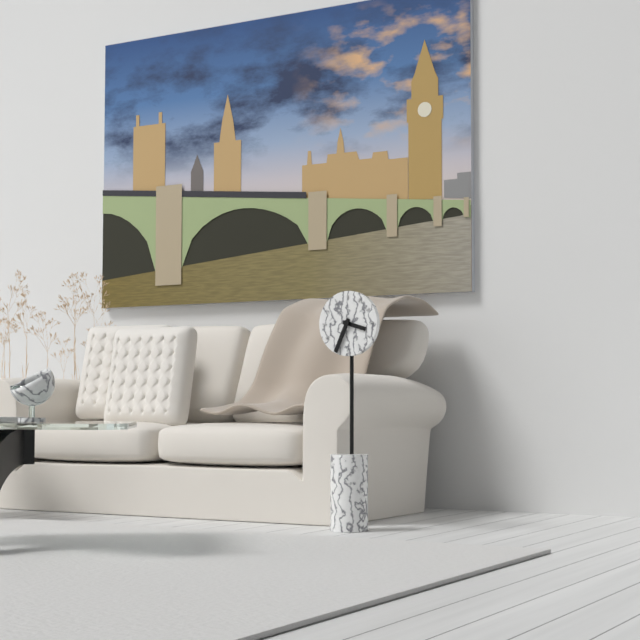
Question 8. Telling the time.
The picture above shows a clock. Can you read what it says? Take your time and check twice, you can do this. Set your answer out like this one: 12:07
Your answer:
3:34
